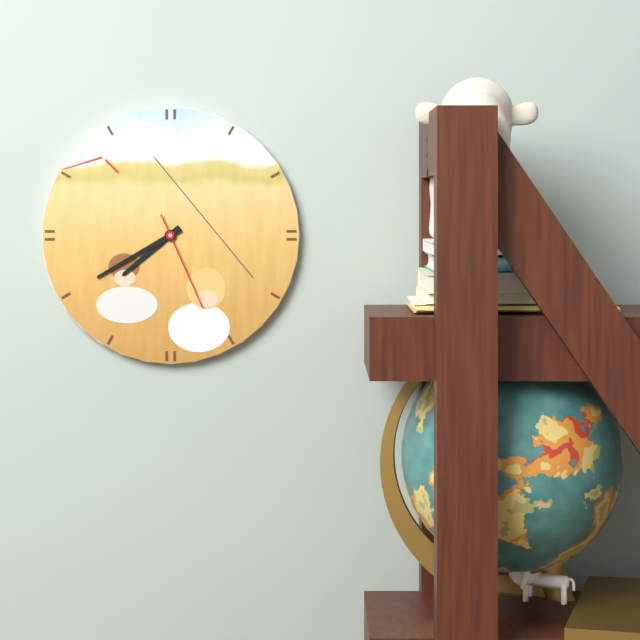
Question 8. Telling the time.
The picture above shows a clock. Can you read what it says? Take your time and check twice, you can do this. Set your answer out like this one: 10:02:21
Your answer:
7:40:26
